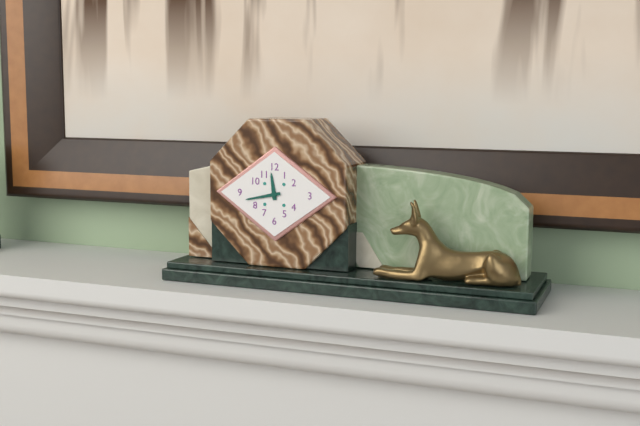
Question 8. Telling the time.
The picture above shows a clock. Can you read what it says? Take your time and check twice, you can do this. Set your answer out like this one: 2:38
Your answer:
11:43
